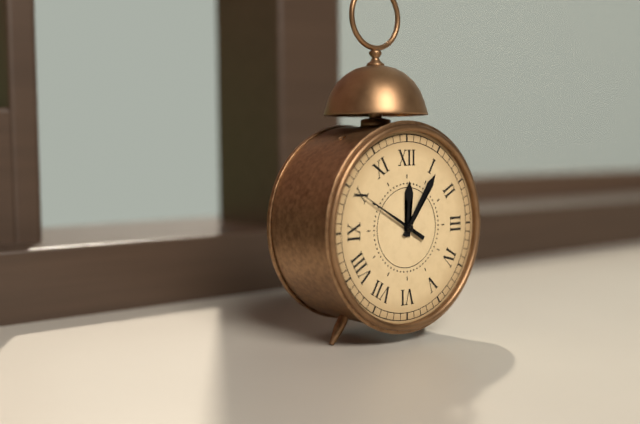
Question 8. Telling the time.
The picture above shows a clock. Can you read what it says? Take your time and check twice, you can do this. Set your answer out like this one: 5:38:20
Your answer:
12:06:50
